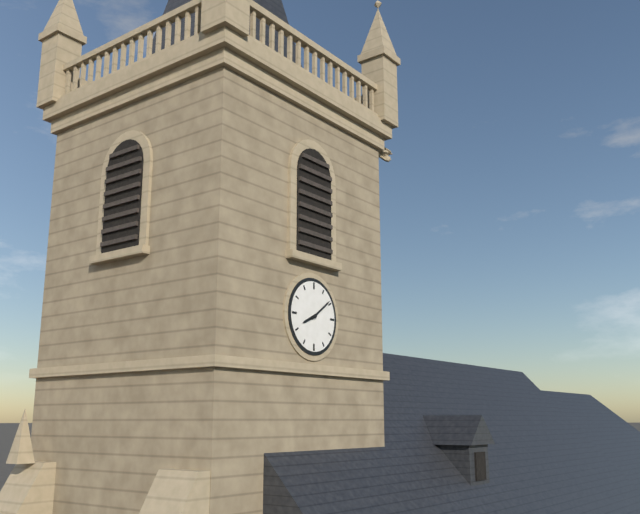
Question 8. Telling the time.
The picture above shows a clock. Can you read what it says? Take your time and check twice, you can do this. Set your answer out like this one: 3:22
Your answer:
8:09
